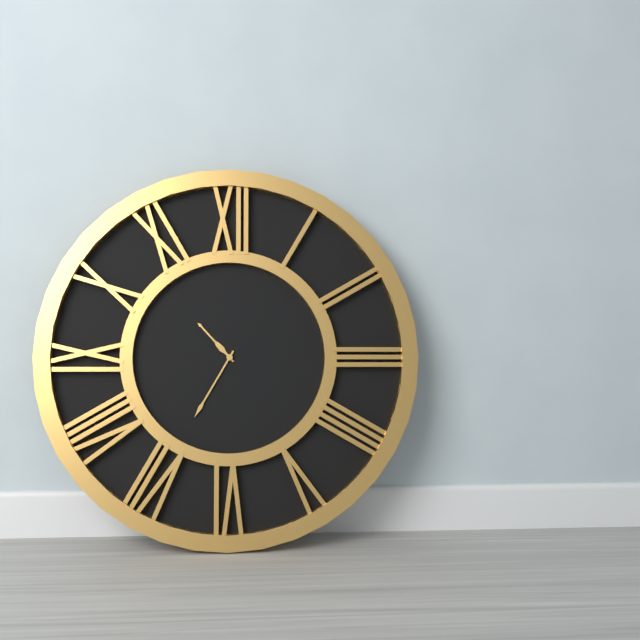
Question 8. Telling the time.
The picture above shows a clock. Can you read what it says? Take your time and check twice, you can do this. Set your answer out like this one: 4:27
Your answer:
10:35
